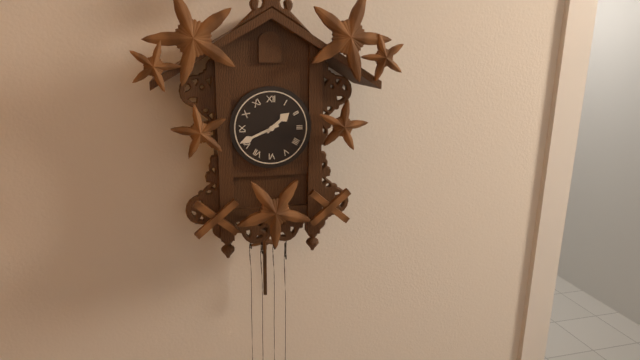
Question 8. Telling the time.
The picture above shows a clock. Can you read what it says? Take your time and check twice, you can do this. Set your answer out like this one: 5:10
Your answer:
1:41
